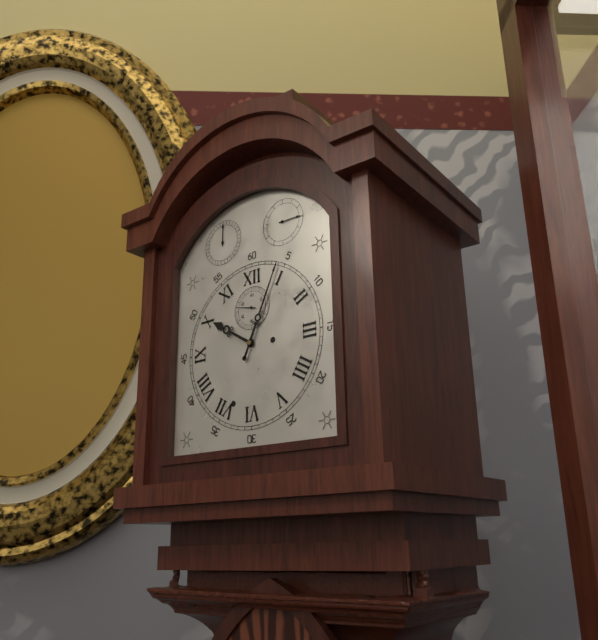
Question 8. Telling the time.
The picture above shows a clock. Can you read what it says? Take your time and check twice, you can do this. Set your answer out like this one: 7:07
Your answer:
10:04
